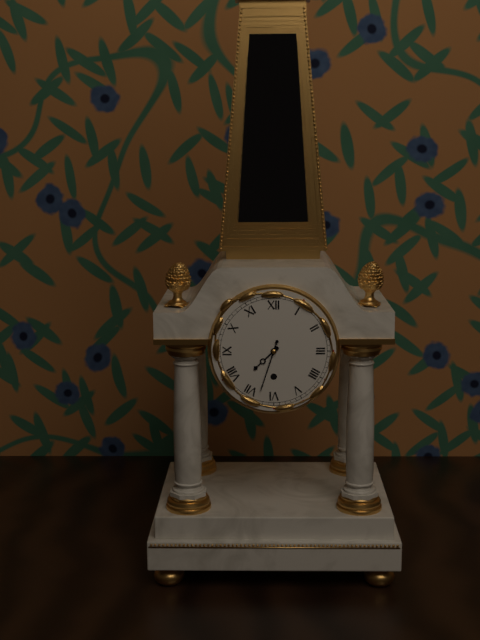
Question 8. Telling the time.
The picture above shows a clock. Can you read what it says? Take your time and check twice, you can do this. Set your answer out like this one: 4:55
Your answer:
7:33
